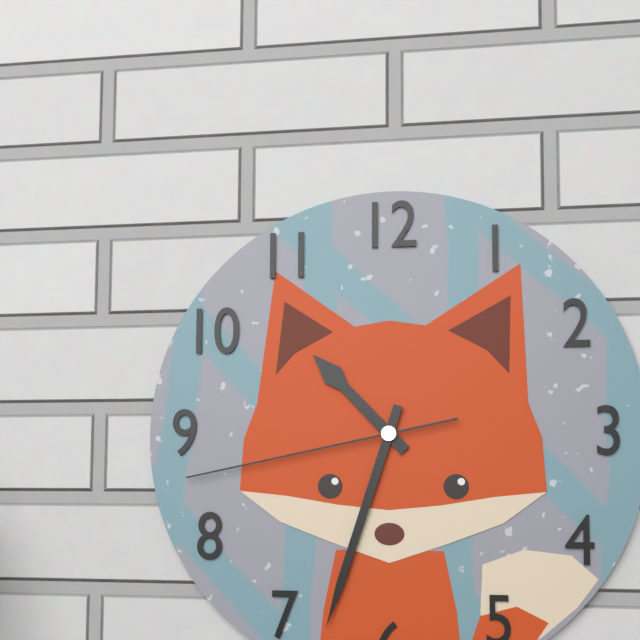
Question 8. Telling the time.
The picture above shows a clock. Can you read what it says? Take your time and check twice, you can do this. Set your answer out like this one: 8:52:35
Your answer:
10:33:43
